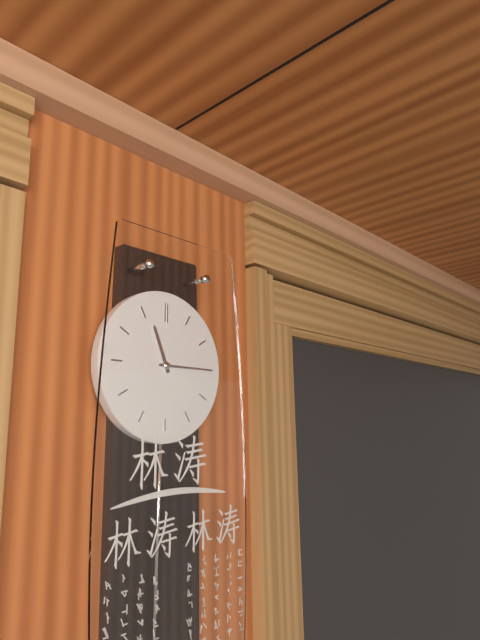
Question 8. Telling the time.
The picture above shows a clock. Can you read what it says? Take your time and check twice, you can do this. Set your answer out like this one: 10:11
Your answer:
11:15
